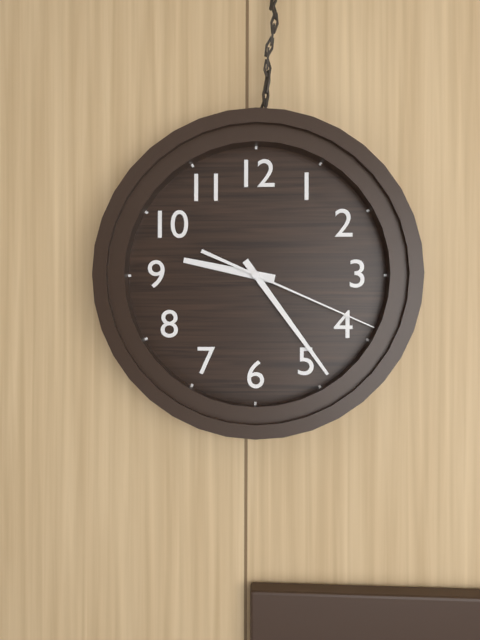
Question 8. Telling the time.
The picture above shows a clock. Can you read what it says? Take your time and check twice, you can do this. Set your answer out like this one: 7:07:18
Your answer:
9:24:19
